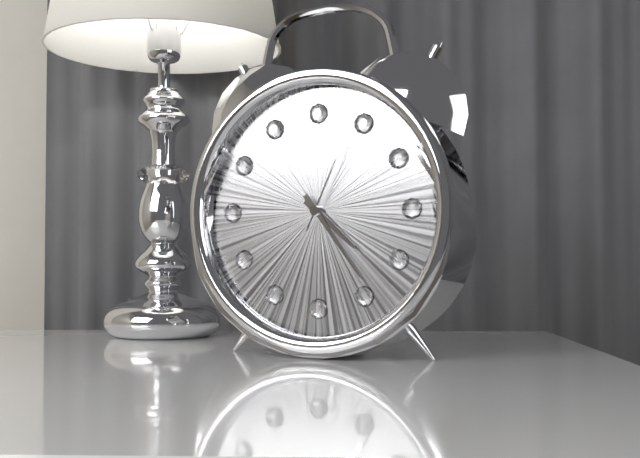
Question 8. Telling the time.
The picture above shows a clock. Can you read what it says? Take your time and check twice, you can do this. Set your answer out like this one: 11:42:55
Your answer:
4:24:04
